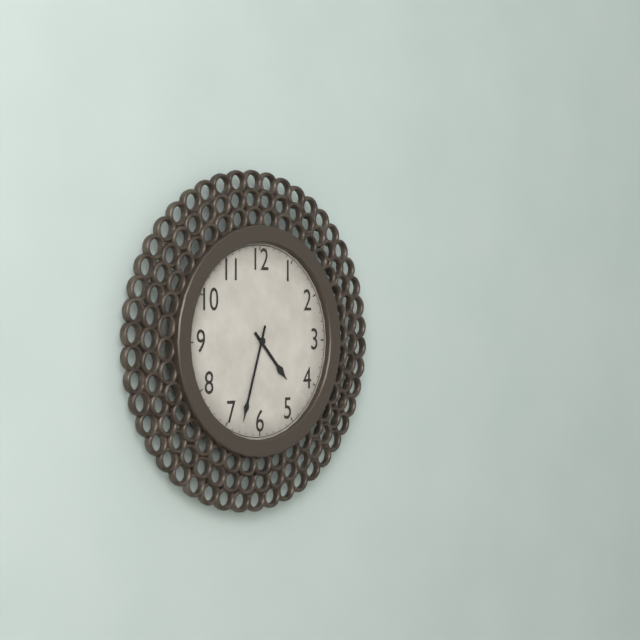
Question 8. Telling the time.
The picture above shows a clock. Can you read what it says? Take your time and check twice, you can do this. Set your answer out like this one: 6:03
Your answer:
4:33
